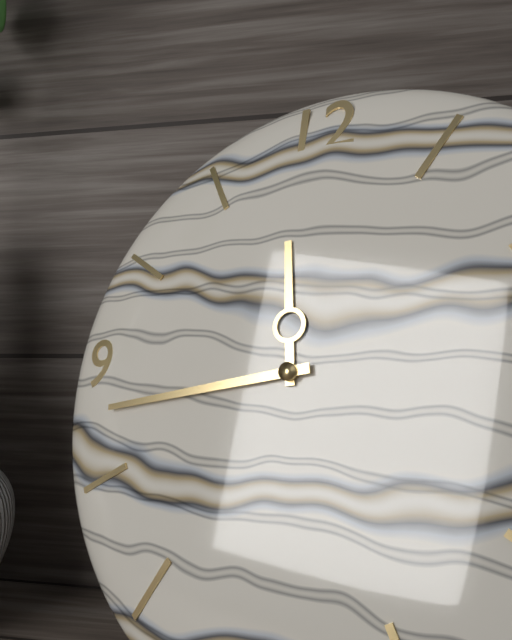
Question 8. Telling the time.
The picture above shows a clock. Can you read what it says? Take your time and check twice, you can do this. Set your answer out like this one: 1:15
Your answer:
11:43
